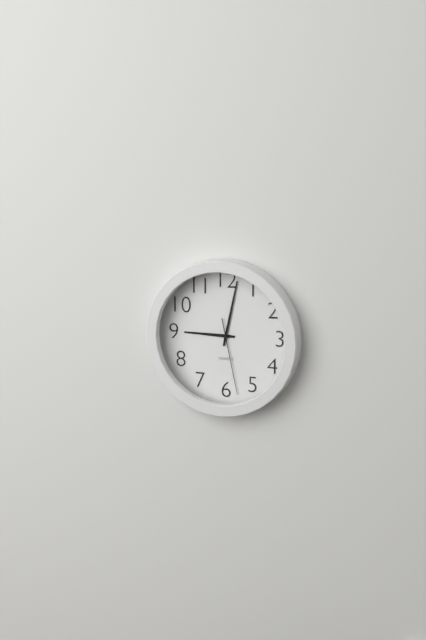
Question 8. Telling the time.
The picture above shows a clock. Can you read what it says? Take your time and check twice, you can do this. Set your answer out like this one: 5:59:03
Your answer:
9:02:28
